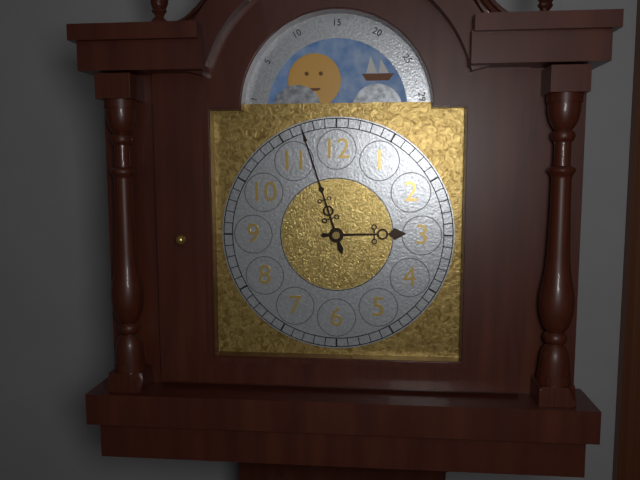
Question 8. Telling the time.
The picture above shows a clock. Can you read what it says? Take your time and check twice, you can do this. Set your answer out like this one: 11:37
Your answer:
2:57
